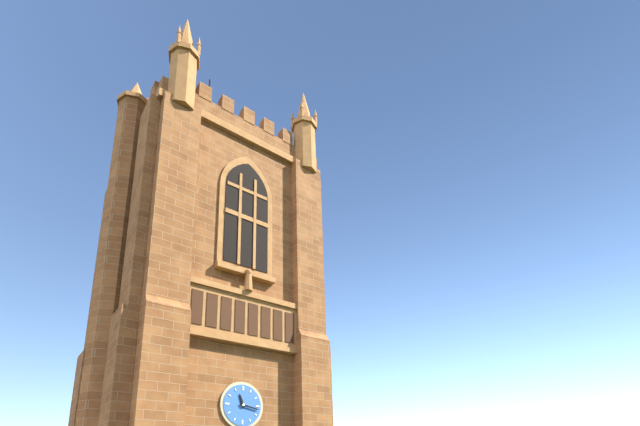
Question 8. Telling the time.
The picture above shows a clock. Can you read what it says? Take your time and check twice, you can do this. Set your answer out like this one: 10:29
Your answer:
11:17
